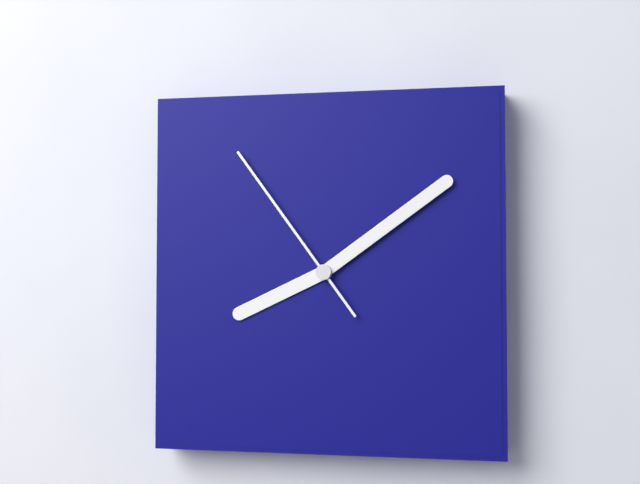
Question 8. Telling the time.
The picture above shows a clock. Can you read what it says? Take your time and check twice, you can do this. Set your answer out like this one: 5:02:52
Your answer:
8:09:54
